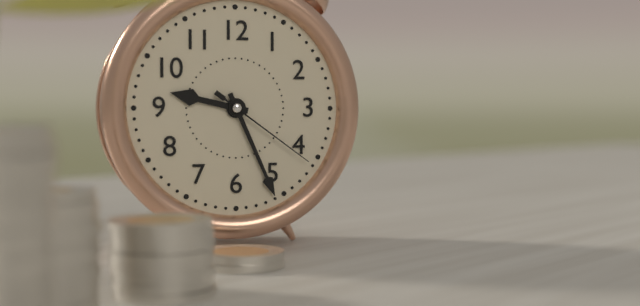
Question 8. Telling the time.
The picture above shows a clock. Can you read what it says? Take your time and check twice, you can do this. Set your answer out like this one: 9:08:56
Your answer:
9:26:21
